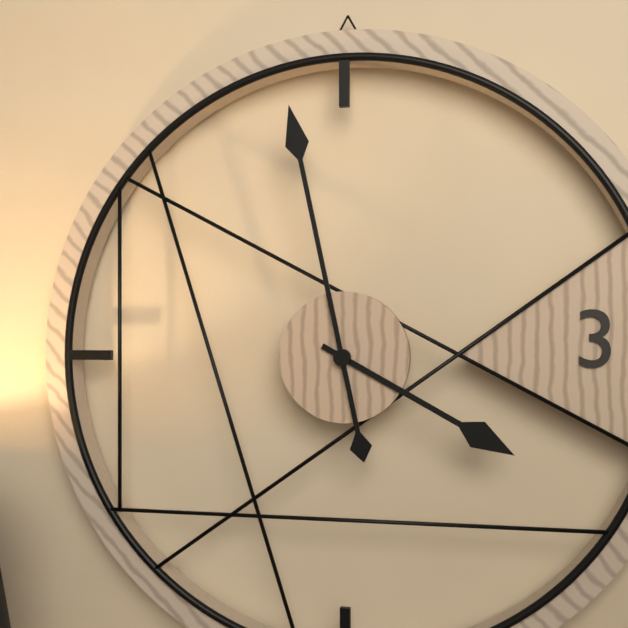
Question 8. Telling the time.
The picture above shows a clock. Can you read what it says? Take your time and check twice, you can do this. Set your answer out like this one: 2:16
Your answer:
3:58
